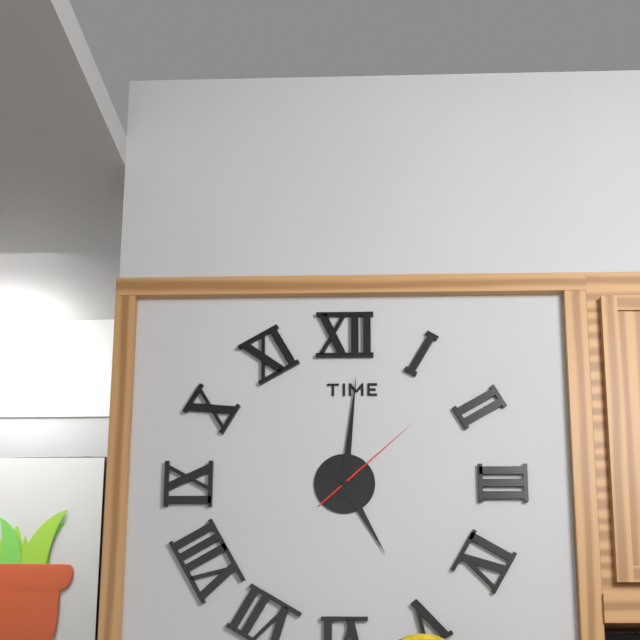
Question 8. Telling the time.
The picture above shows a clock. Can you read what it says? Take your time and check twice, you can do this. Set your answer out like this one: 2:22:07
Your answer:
5:01:08
